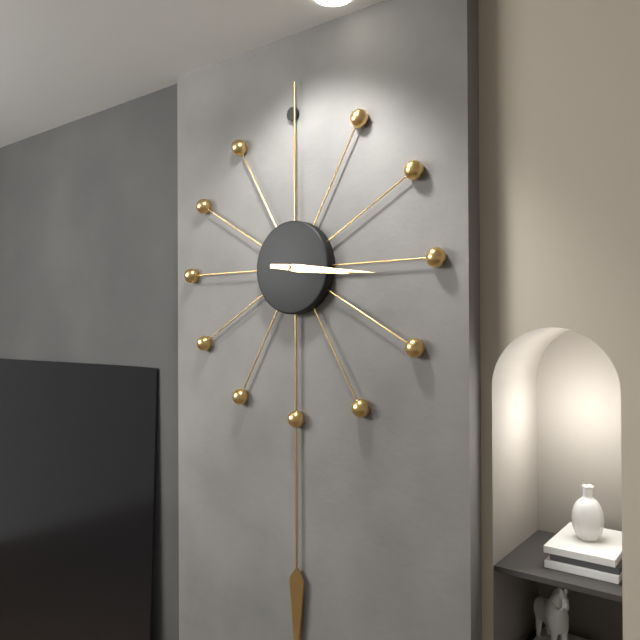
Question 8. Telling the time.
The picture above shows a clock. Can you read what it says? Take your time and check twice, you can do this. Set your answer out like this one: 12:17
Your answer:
3:16
